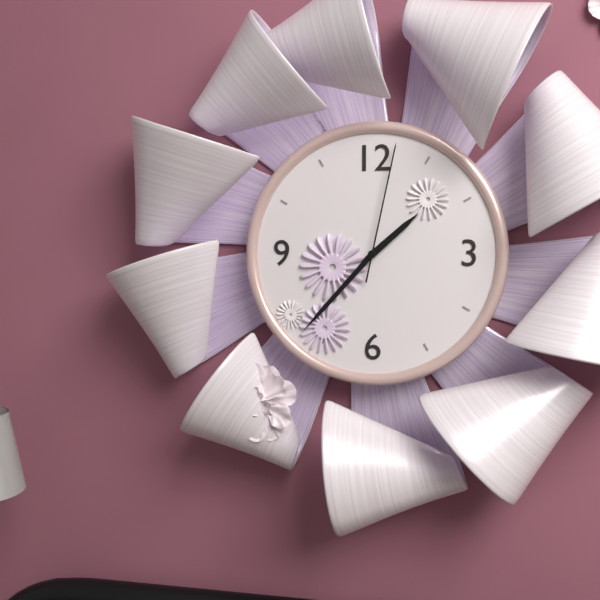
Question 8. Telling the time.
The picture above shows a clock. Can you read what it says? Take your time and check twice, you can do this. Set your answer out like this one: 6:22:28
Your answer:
1:37:02
